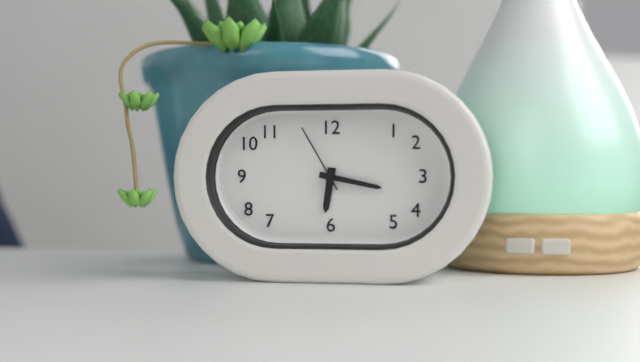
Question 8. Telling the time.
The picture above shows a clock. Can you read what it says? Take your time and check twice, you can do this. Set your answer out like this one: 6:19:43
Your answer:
6:17:55
